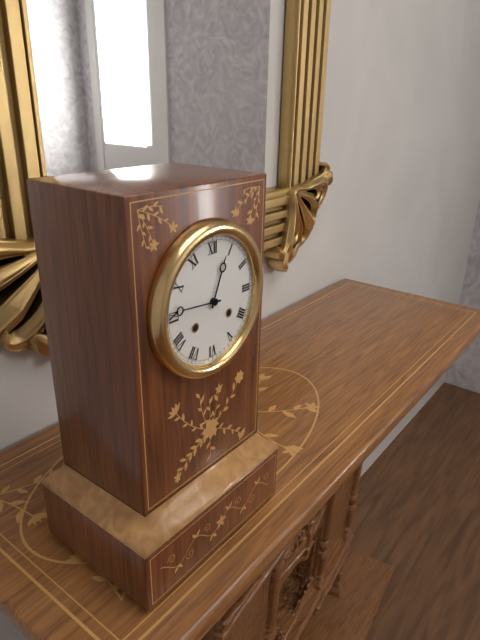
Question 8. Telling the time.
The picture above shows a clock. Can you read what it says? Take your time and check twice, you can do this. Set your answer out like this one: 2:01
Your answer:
12:46
